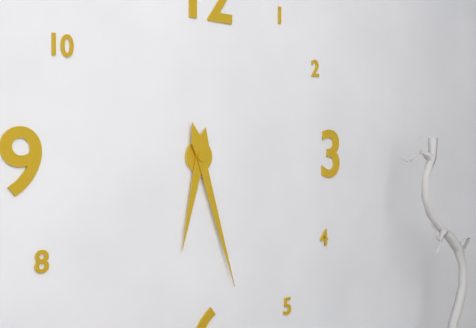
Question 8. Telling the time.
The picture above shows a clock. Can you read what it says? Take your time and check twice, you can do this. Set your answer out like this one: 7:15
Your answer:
6:27
